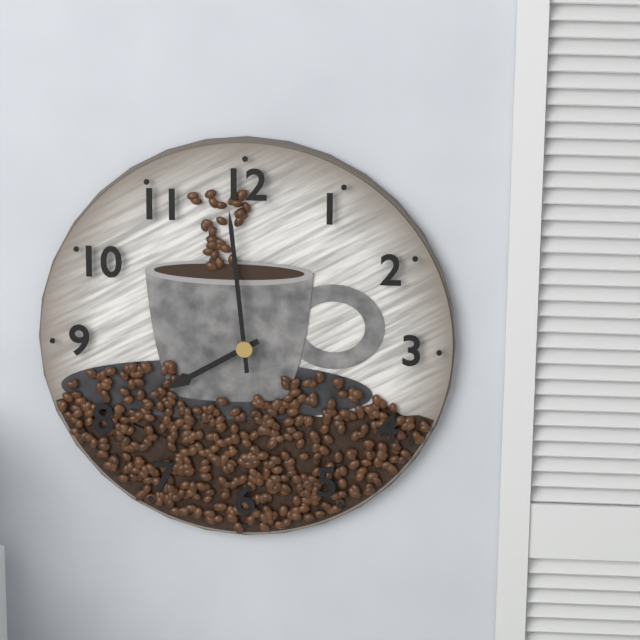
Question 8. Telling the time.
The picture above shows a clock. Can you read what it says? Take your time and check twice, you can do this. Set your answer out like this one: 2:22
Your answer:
7:59
